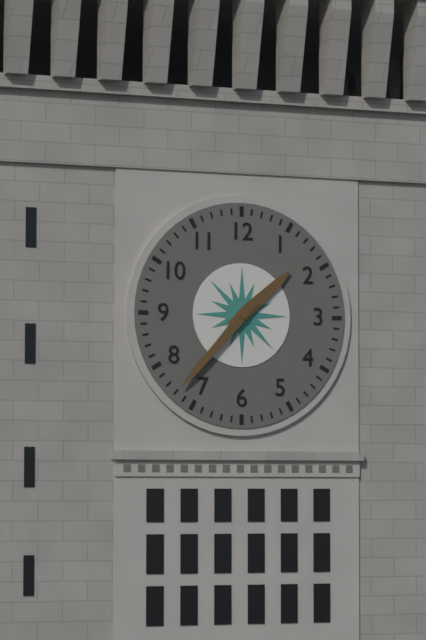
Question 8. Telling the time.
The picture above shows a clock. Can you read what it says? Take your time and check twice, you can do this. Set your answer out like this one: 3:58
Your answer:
1:37
